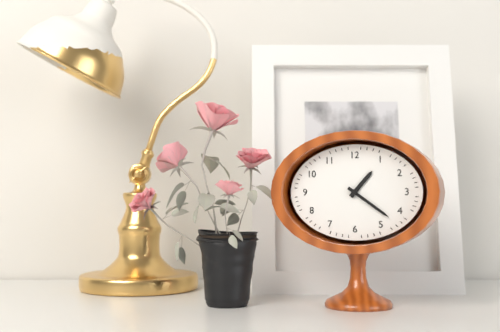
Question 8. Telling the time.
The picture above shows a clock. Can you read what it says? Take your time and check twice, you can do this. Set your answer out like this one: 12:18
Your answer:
1:21
